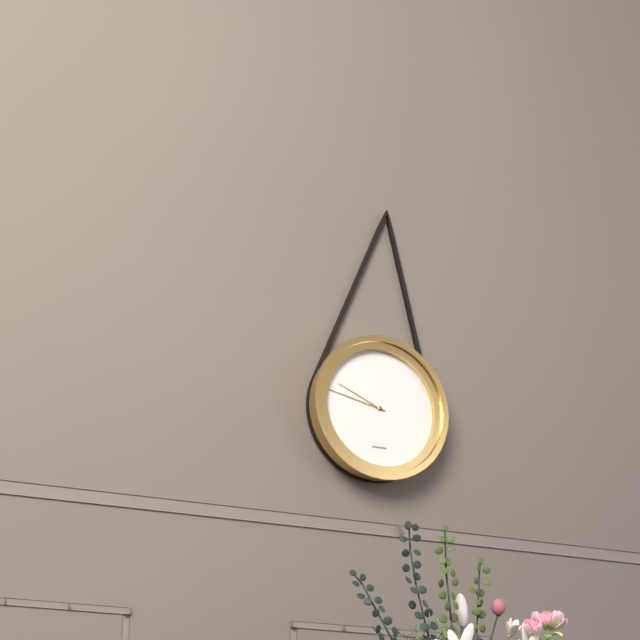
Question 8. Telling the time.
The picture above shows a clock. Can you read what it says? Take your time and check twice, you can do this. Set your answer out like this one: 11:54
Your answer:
9:47
